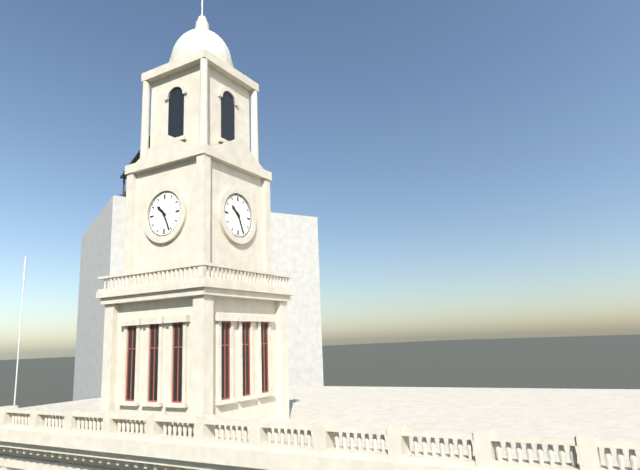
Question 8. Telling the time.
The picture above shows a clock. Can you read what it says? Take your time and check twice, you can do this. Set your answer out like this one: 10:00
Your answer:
10:26
